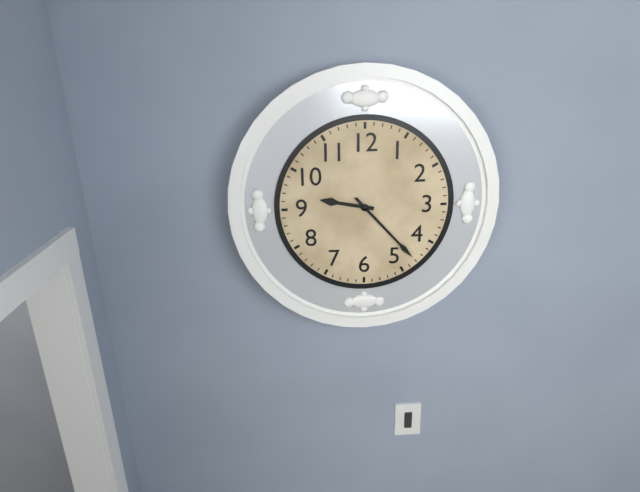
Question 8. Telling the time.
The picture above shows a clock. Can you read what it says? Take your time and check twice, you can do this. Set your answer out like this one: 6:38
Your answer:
9:23
